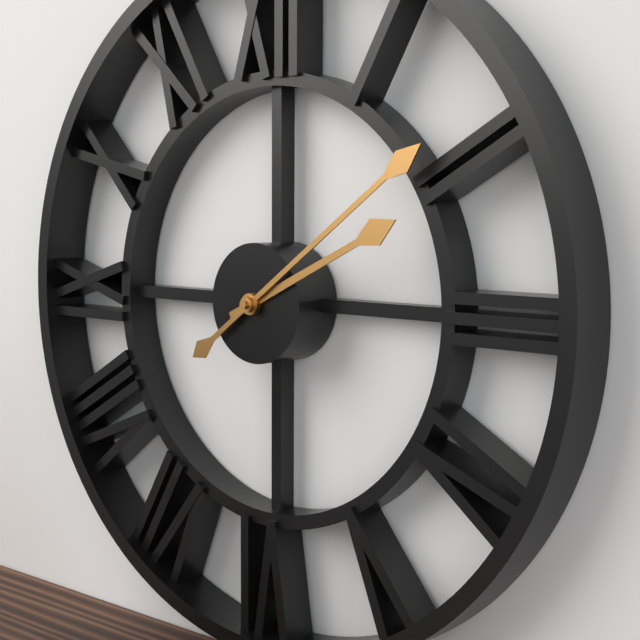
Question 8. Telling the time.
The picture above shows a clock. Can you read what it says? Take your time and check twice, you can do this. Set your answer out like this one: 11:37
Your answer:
2:09
